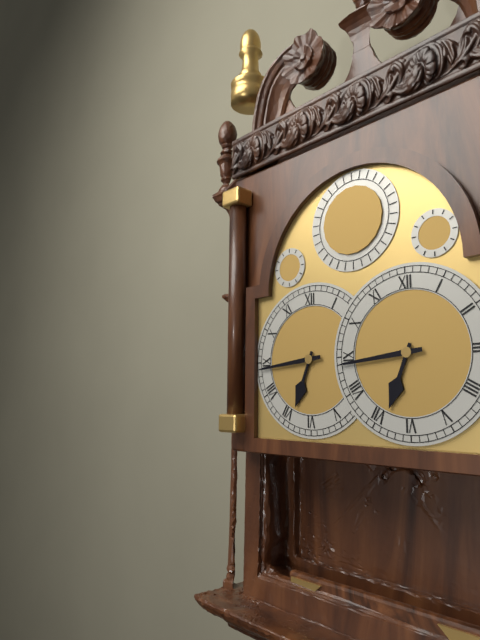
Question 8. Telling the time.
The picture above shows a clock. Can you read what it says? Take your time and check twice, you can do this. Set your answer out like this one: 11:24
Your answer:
6:44
